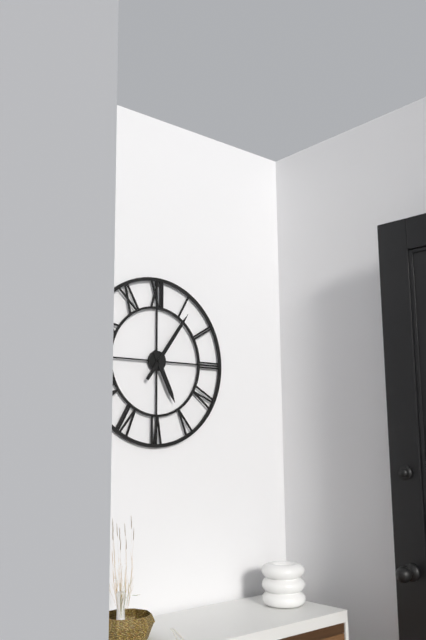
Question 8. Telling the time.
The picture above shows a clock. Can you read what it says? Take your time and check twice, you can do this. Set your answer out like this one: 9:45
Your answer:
5:06
